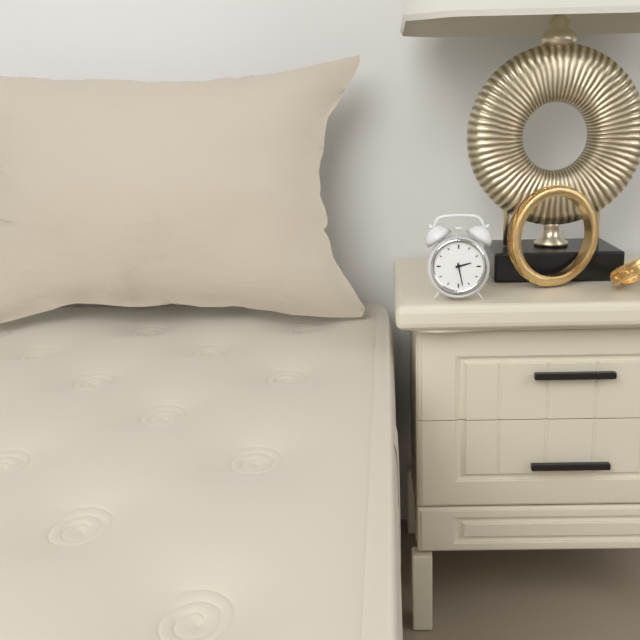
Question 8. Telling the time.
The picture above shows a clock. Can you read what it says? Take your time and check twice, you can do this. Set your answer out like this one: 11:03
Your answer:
2:28
